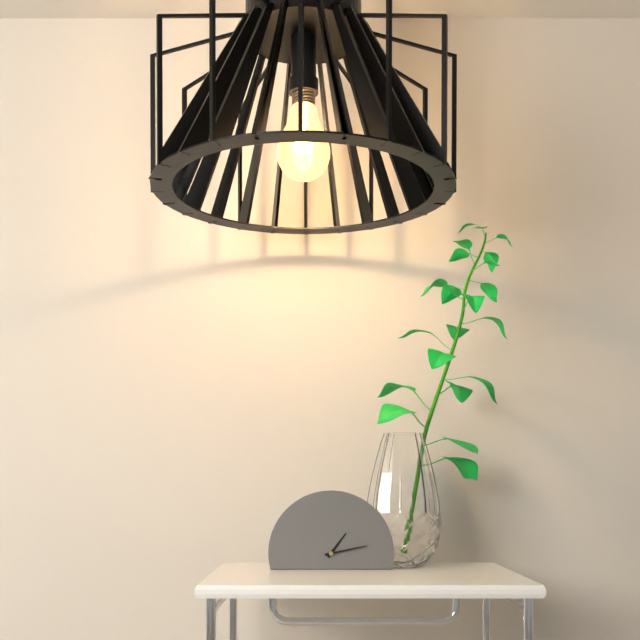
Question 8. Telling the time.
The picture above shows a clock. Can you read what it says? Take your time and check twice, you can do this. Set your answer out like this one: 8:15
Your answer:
1:13
